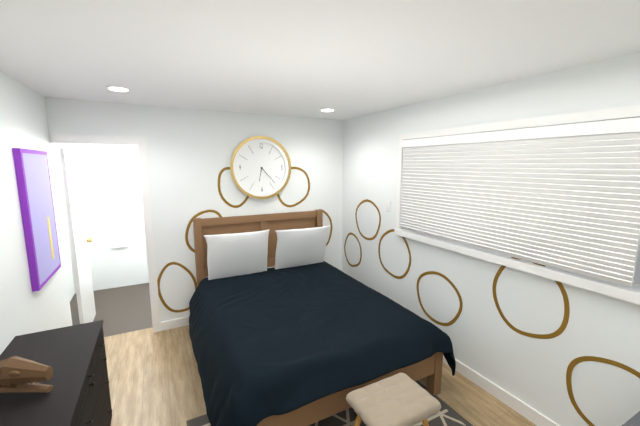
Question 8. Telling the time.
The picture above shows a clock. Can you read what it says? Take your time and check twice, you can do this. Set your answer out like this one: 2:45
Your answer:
6:23
